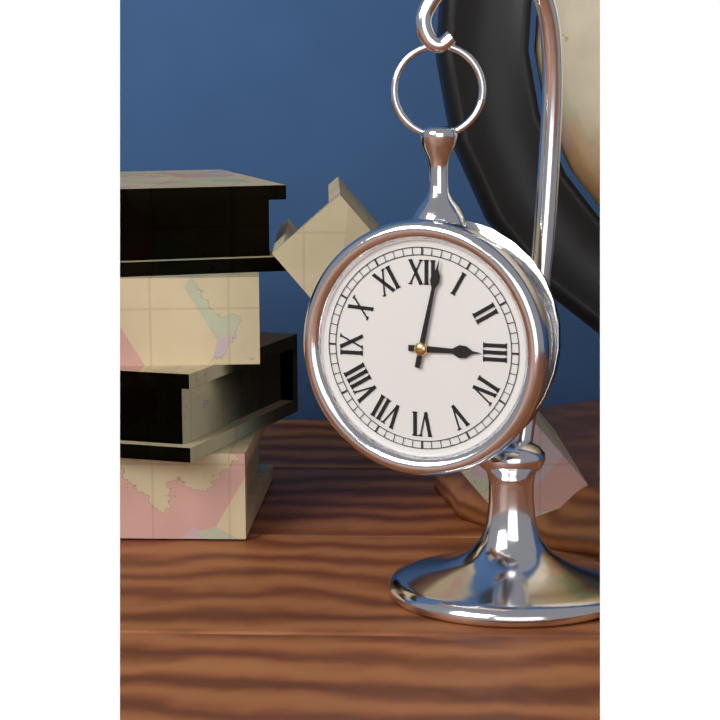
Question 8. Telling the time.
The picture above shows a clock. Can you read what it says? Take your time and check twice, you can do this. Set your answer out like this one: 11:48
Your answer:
3:02
